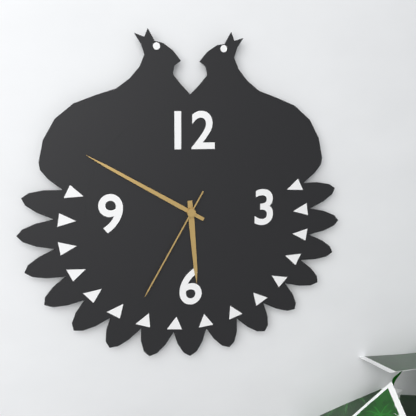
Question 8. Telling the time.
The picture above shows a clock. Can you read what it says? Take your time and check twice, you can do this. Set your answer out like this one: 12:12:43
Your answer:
5:50:35
